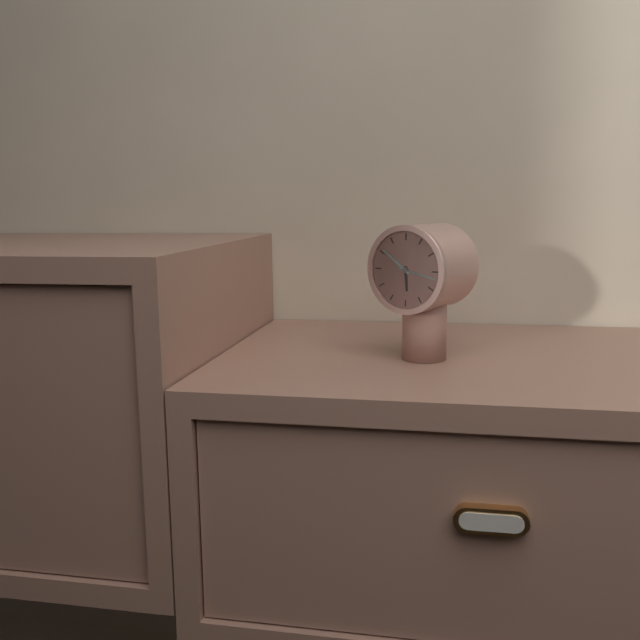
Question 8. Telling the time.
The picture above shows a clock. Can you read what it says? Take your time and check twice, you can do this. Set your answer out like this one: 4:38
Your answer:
5:51
